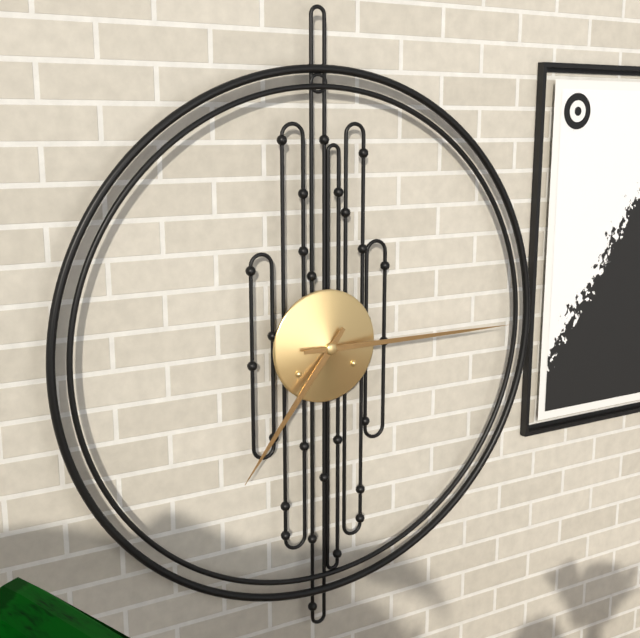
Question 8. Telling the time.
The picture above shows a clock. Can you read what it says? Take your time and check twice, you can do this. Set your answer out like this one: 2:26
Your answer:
7:15
